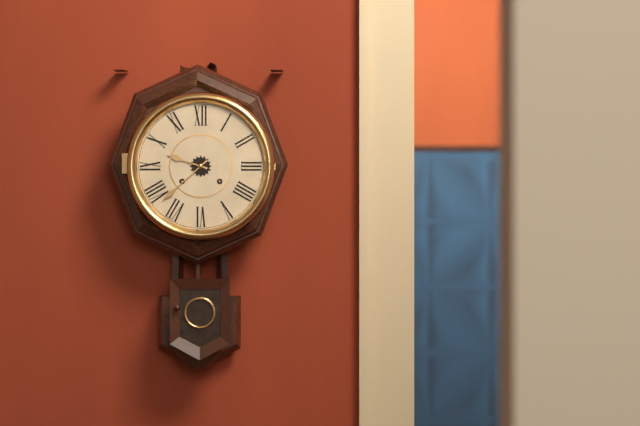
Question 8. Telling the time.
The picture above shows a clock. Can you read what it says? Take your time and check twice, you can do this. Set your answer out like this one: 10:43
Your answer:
9:38
